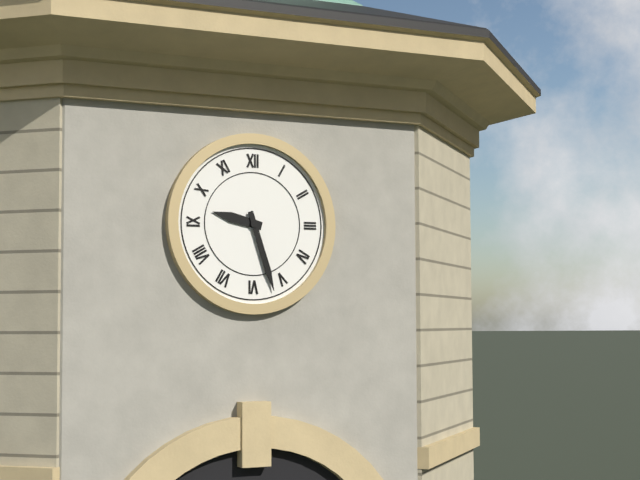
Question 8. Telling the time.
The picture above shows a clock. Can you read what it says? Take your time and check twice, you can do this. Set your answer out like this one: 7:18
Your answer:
9:27
